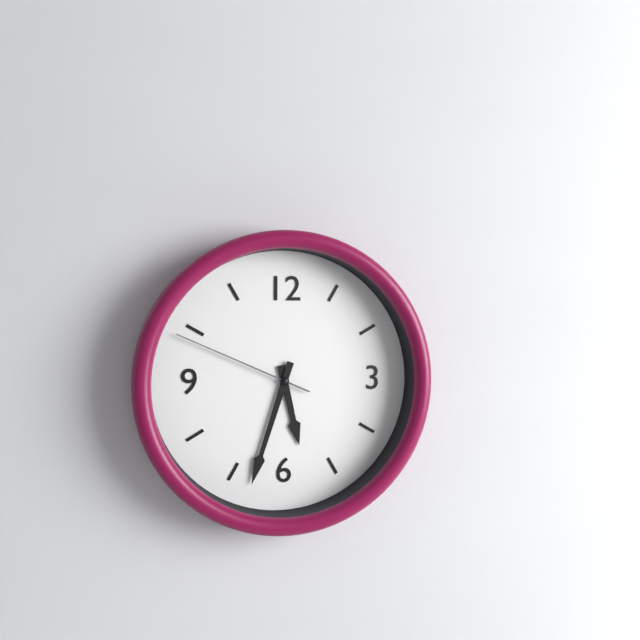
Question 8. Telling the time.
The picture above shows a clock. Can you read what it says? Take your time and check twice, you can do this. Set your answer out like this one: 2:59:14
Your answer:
5:33:49
